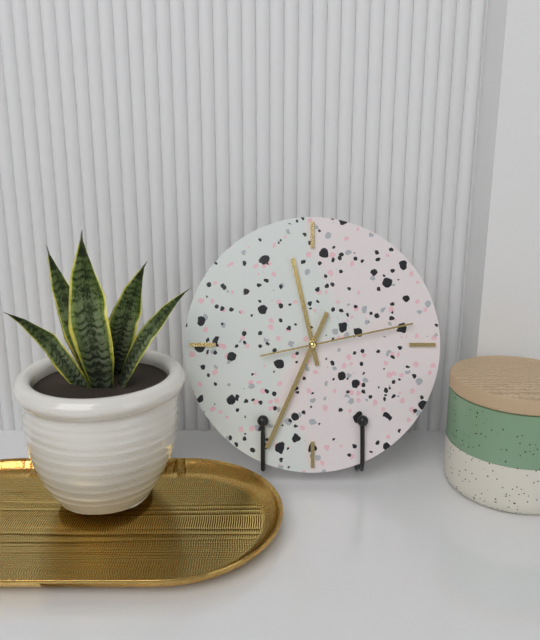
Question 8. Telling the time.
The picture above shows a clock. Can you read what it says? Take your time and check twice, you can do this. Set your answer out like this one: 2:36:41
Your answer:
11:34:13
